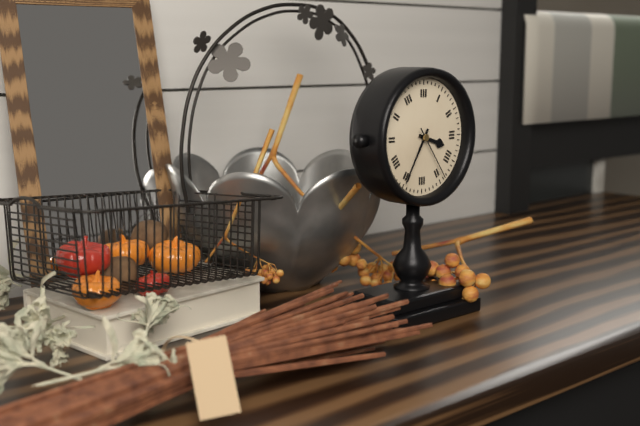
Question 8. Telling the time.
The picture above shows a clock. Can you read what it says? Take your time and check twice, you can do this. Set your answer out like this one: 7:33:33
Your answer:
3:35:24
